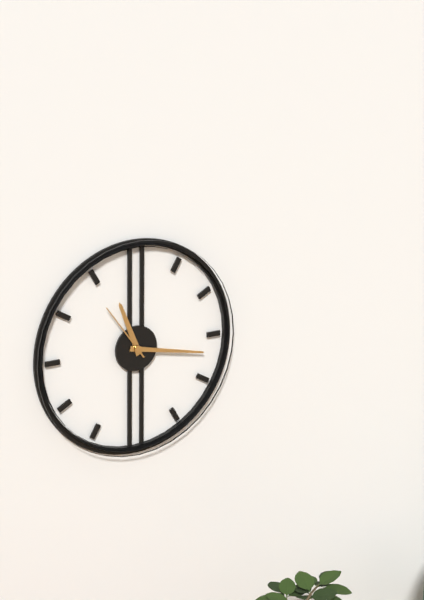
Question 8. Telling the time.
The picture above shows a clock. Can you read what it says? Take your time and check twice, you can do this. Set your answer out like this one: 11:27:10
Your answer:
11:17:54
